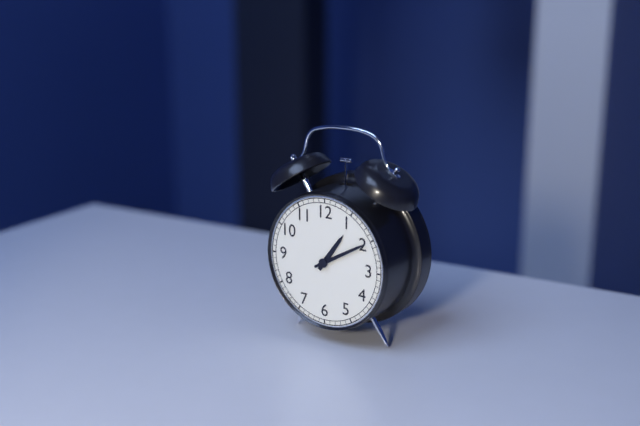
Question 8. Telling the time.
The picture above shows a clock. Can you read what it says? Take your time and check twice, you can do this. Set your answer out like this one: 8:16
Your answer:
1:10
